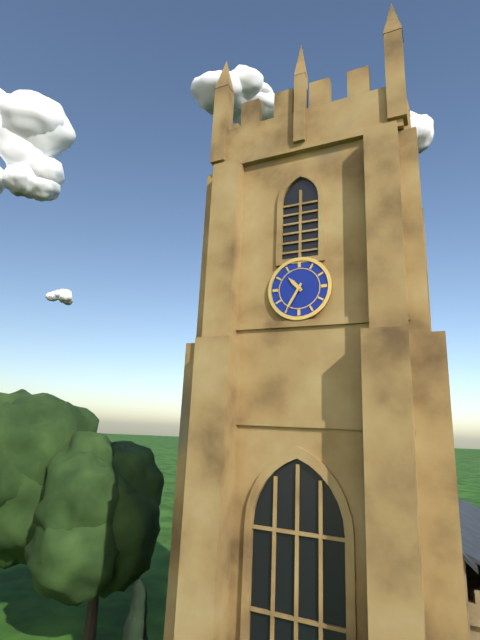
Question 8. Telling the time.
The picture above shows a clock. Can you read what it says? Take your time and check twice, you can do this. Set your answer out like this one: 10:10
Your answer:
10:35
